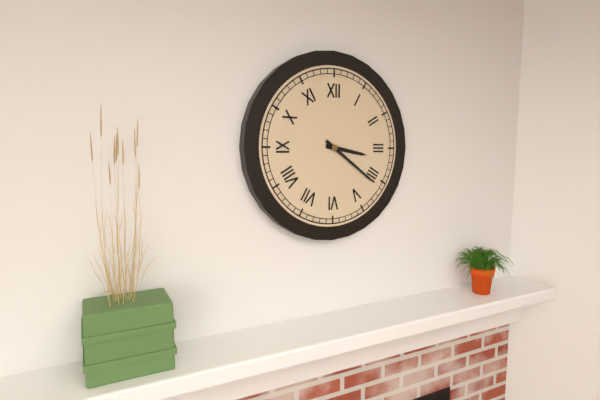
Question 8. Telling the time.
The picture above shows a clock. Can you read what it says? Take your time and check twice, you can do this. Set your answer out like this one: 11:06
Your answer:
3:21
